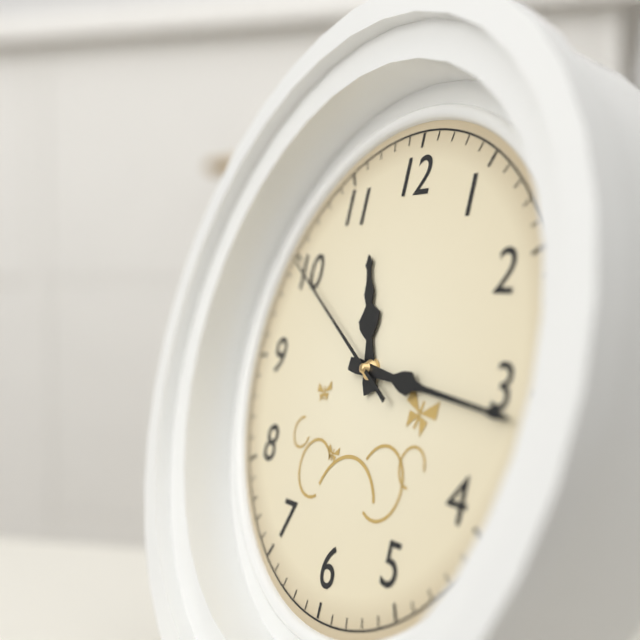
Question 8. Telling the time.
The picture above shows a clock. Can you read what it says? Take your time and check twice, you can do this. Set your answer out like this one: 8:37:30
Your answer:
11:16:50
